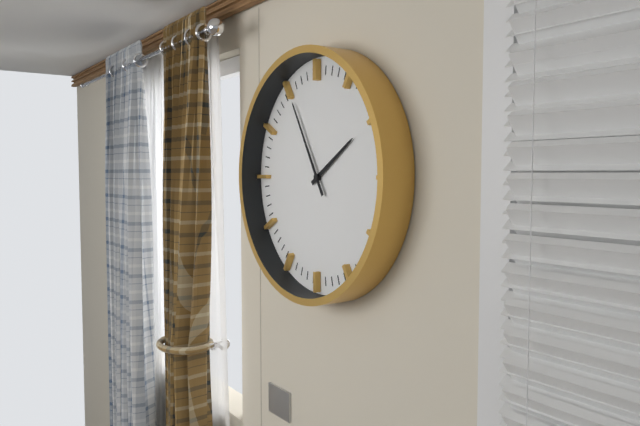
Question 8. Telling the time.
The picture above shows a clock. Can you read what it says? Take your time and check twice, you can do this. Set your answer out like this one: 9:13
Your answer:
1:55
